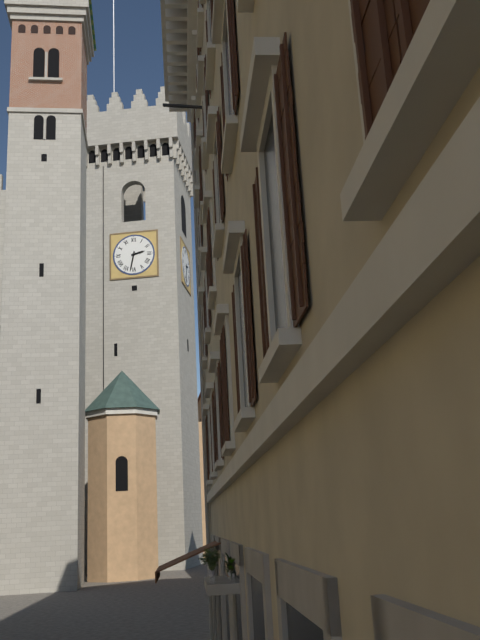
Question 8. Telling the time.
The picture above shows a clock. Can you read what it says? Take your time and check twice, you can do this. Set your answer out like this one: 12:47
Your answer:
2:32
